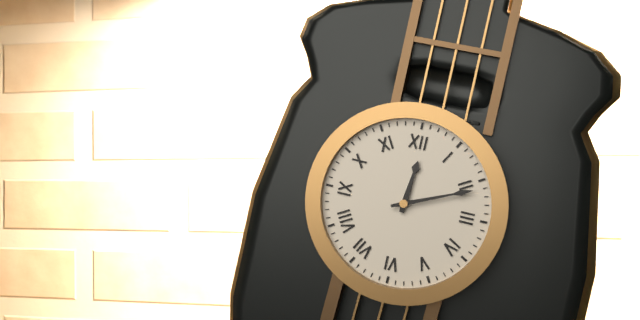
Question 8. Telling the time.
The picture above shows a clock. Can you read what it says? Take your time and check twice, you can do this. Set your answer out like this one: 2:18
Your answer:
12:11
